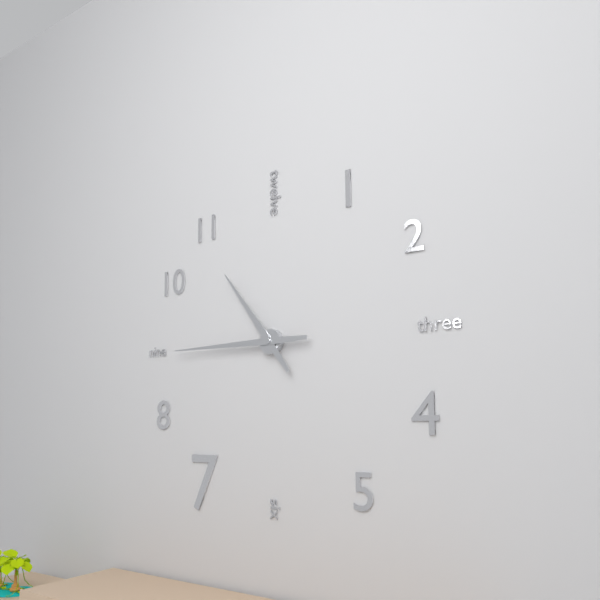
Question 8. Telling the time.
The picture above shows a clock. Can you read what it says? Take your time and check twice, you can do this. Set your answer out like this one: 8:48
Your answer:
10:45
